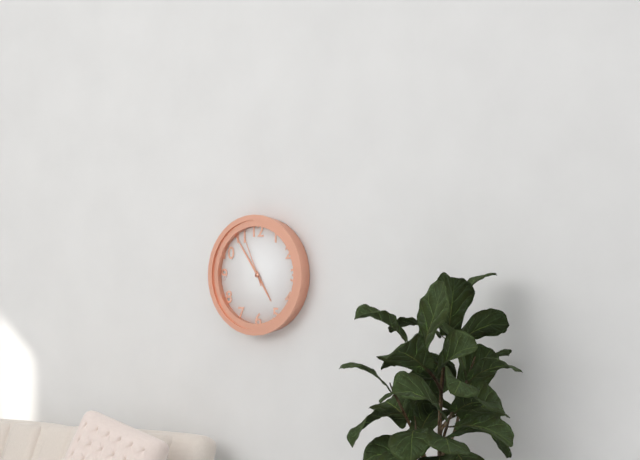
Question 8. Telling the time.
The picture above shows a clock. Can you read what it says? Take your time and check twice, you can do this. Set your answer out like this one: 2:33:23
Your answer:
4:54:56
